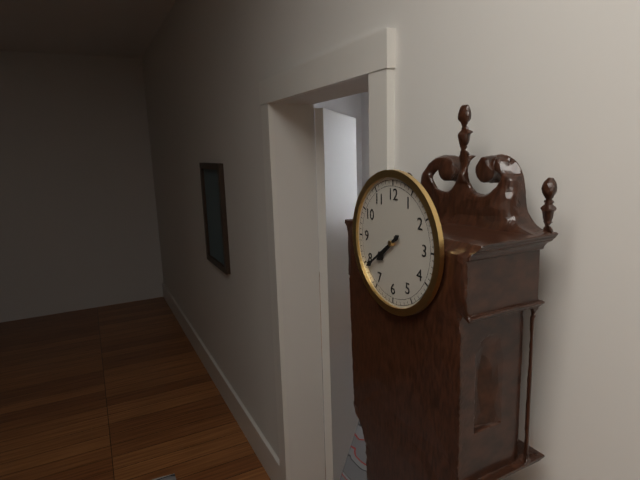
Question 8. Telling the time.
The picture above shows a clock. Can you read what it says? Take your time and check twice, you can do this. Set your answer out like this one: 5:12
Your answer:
7:39
